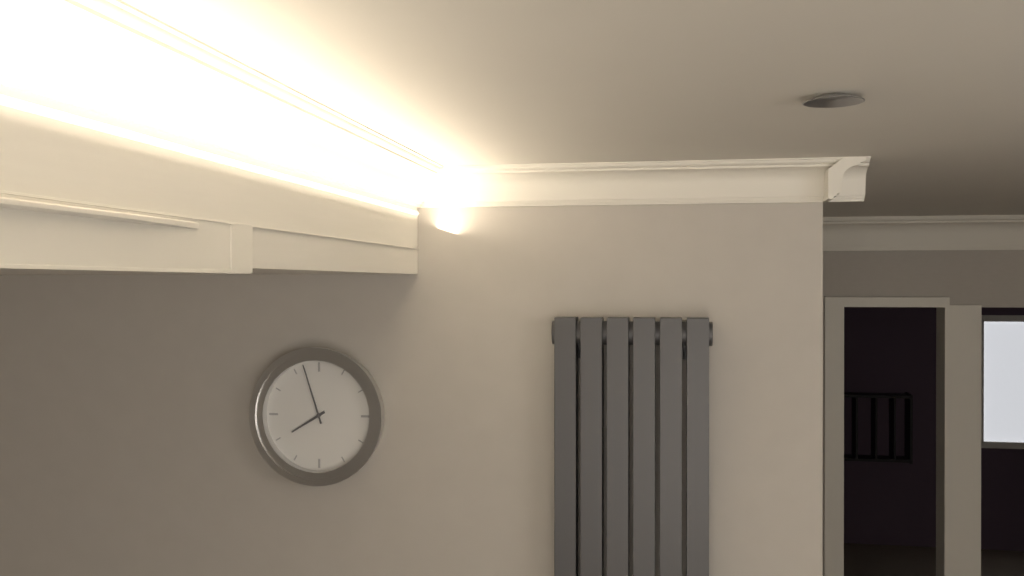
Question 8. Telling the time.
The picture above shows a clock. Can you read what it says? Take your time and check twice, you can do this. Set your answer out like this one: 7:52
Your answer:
7:57
